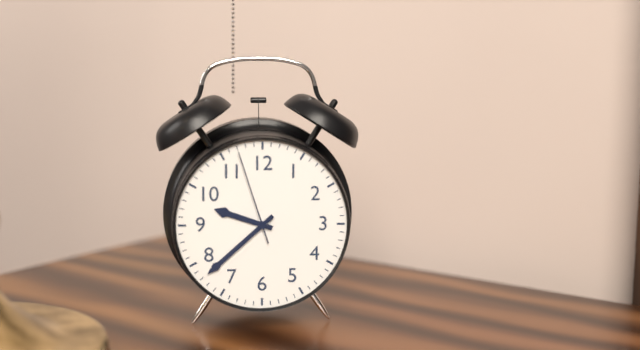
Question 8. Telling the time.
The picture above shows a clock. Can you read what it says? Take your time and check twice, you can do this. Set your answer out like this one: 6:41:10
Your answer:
9:38:57
